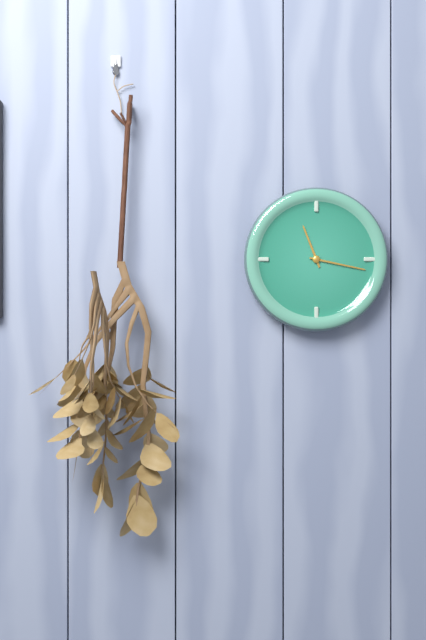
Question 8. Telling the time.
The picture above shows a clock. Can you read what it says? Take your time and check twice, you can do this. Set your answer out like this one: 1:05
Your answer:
11:17
